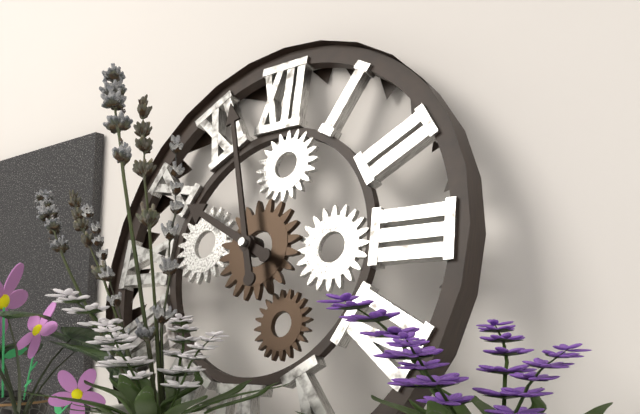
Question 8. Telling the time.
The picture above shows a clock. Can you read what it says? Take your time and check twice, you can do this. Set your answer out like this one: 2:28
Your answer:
9:57
